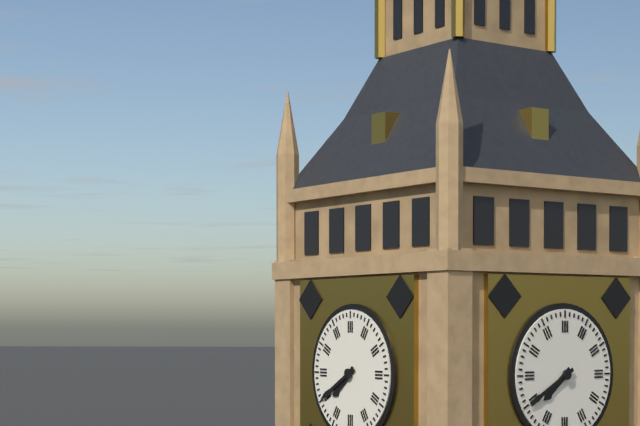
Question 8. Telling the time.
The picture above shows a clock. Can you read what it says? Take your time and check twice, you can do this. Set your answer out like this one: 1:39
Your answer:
7:40
